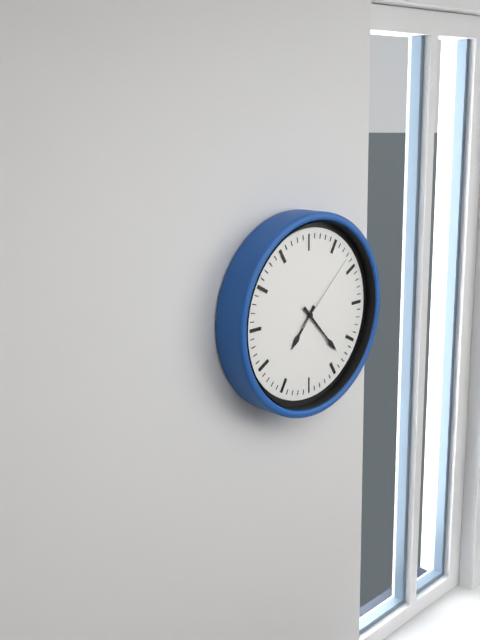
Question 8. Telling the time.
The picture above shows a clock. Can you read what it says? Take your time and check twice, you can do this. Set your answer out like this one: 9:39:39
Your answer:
7:23:08
